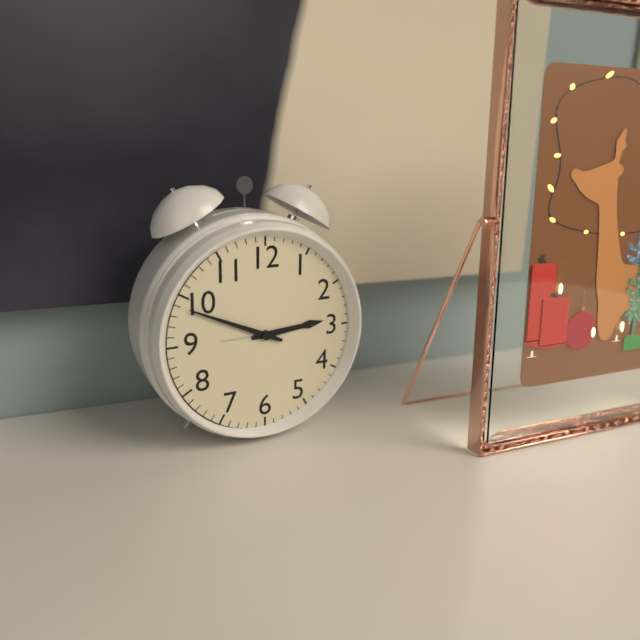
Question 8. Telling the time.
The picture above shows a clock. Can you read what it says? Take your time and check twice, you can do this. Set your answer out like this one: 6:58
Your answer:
2:49
